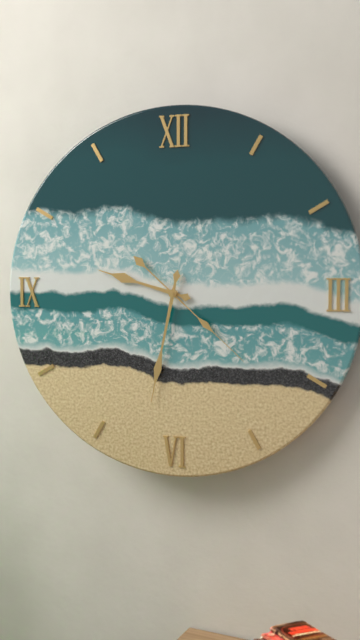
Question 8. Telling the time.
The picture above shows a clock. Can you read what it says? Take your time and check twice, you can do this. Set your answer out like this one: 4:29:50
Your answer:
9:32:22
